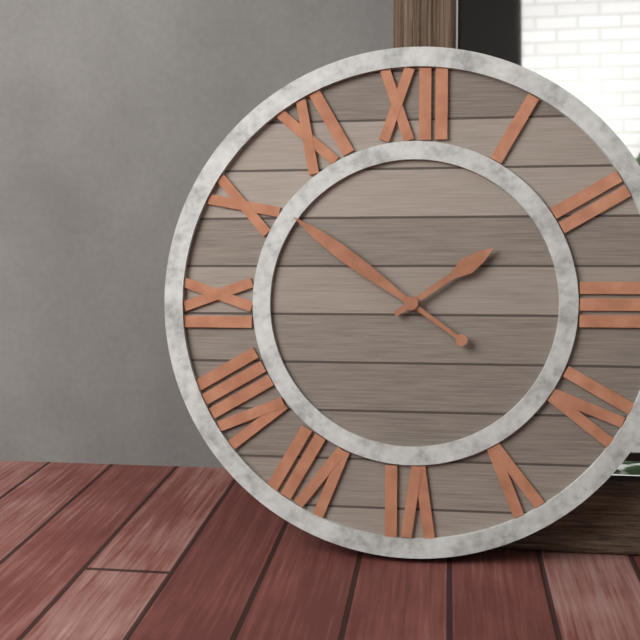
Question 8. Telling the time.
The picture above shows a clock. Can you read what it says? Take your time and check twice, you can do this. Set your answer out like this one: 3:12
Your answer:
1:51
